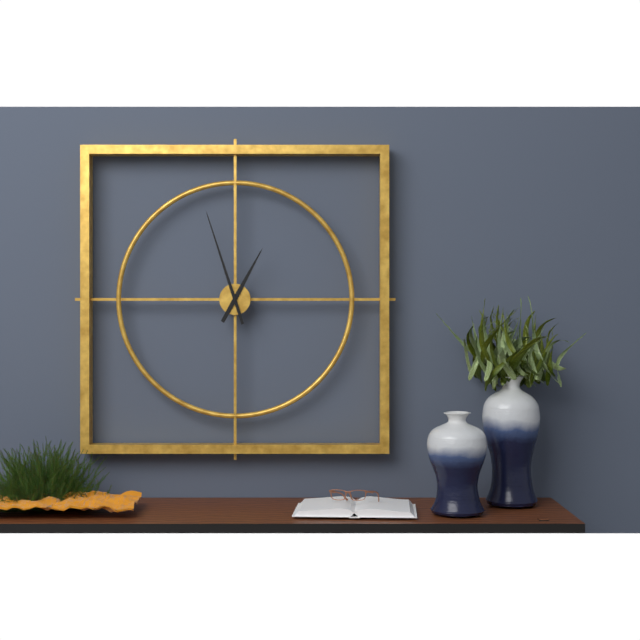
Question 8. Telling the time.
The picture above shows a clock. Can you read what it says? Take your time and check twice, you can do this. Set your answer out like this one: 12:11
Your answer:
12:57
